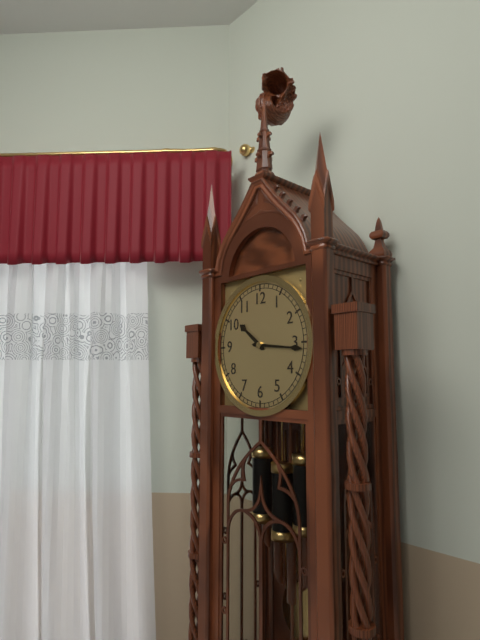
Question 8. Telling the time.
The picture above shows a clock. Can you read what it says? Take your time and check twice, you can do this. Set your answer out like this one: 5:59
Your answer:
10:16
